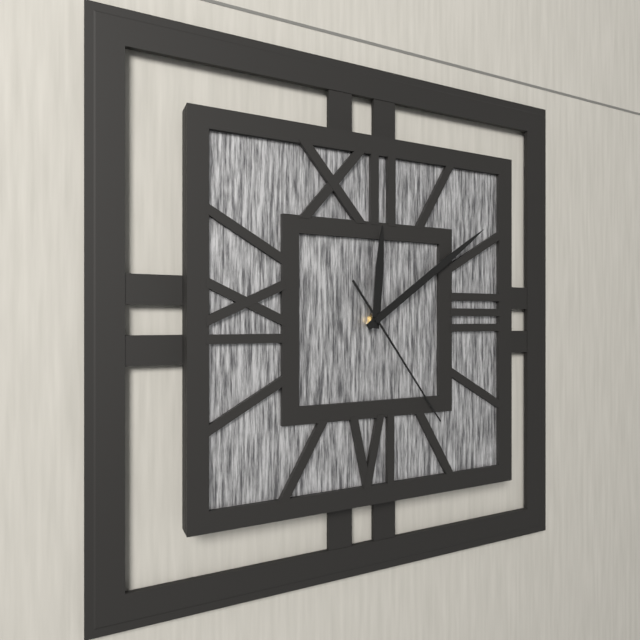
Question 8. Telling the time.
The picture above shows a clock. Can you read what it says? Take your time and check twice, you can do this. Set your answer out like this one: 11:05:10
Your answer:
12:09:24
